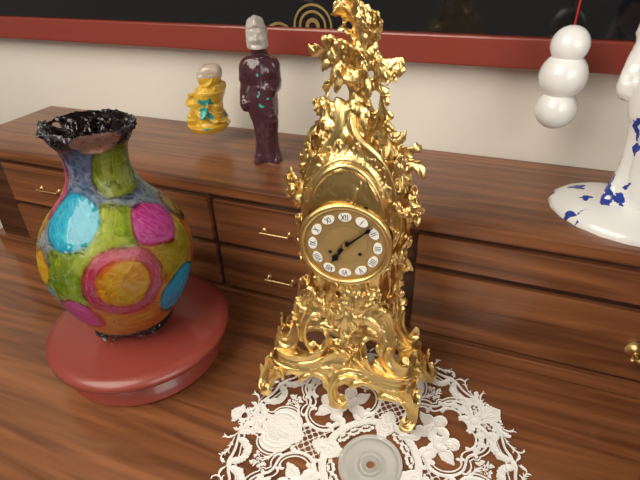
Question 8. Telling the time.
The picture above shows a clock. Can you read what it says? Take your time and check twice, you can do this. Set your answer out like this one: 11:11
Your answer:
7:08
